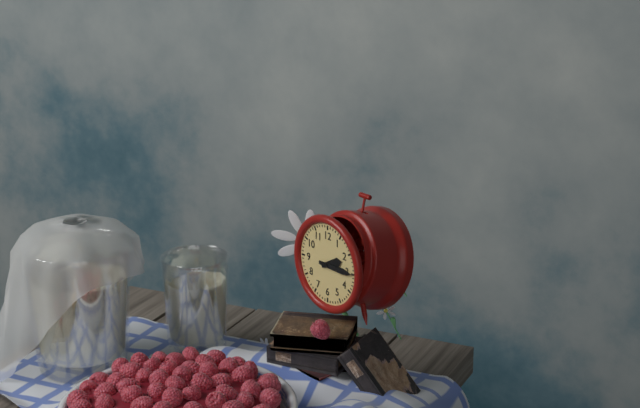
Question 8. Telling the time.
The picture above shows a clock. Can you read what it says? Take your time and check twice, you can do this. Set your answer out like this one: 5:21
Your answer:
2:15
